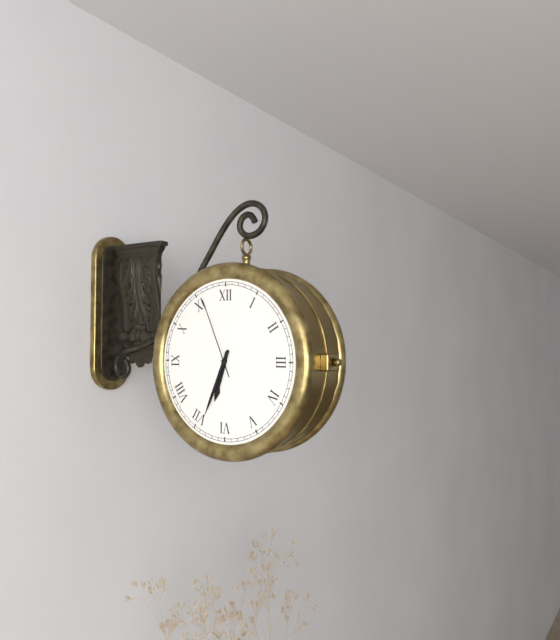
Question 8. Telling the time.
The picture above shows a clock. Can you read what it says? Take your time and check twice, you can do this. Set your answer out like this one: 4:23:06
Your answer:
6:34:56
